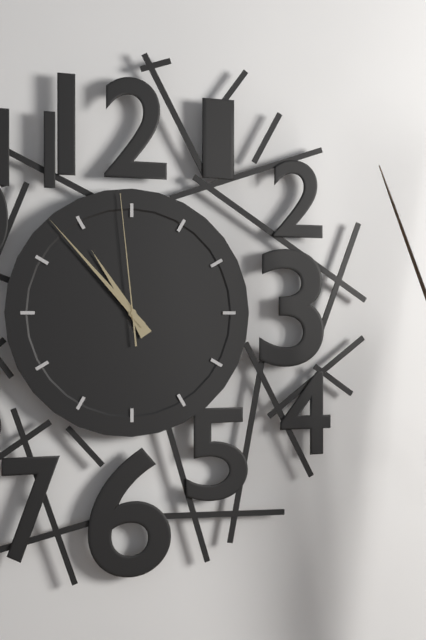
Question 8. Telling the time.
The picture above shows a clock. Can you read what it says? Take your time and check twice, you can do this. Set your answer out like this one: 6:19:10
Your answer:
10:53:59
